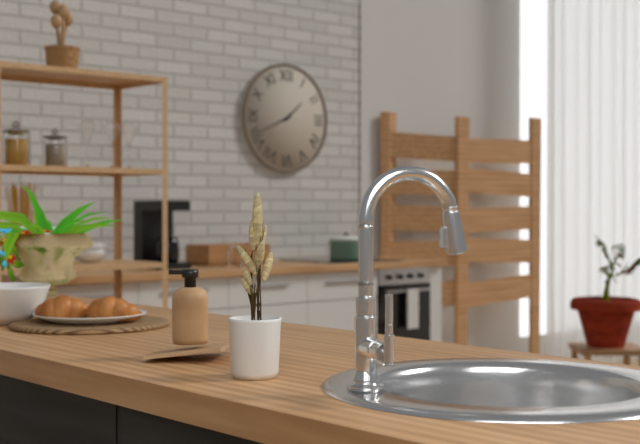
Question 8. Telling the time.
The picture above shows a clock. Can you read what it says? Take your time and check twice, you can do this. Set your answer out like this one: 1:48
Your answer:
1:41
